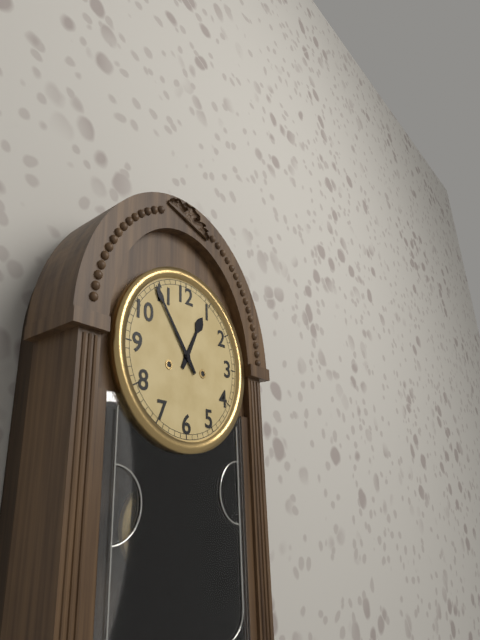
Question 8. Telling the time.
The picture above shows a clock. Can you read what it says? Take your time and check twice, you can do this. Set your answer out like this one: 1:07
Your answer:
12:54
